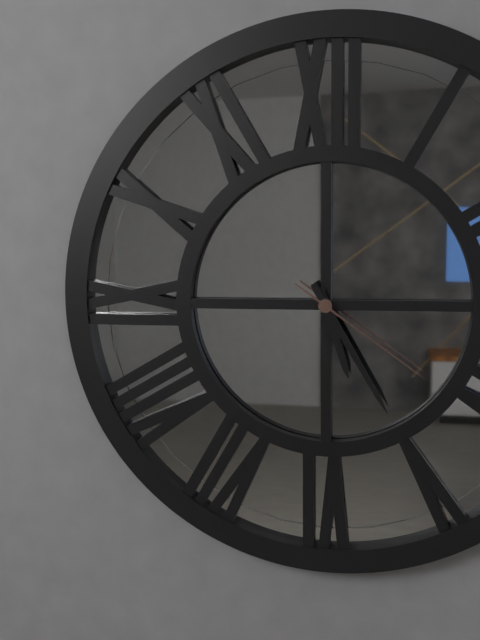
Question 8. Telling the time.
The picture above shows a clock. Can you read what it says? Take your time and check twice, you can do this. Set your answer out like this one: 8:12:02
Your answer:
5:25:21
